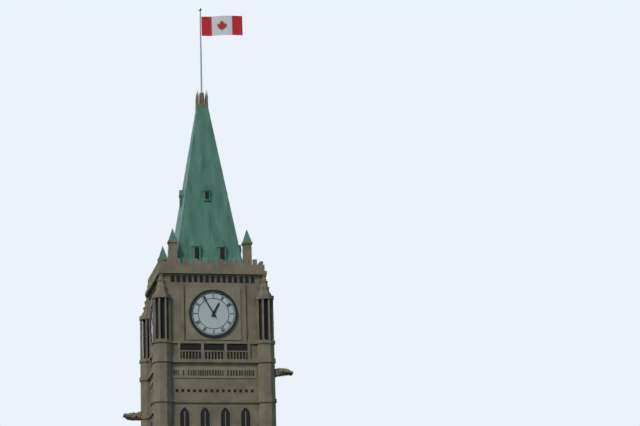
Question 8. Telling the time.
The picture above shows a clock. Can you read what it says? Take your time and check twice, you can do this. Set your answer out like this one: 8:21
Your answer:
12:55
